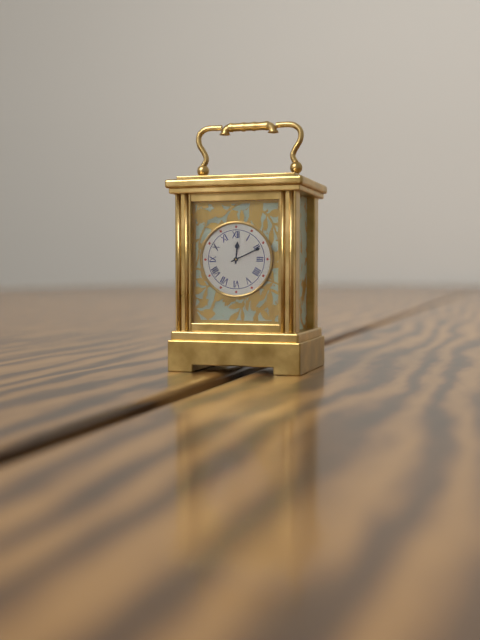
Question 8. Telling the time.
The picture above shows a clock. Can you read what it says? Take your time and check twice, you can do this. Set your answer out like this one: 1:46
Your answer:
12:11
